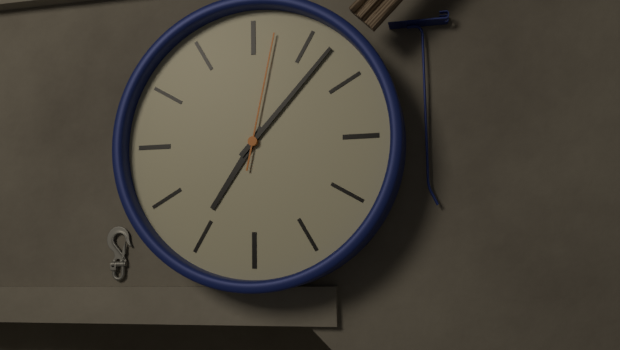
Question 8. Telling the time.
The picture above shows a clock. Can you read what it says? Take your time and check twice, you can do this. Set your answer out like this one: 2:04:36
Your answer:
7:07:02
